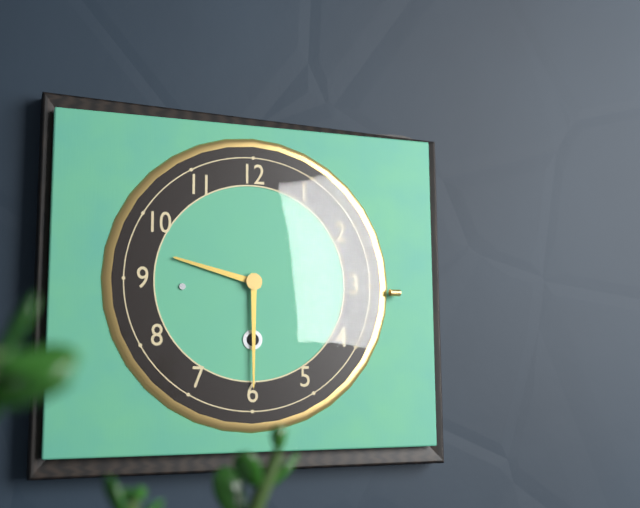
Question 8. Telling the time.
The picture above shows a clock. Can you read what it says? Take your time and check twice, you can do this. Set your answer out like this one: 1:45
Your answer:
9:30
